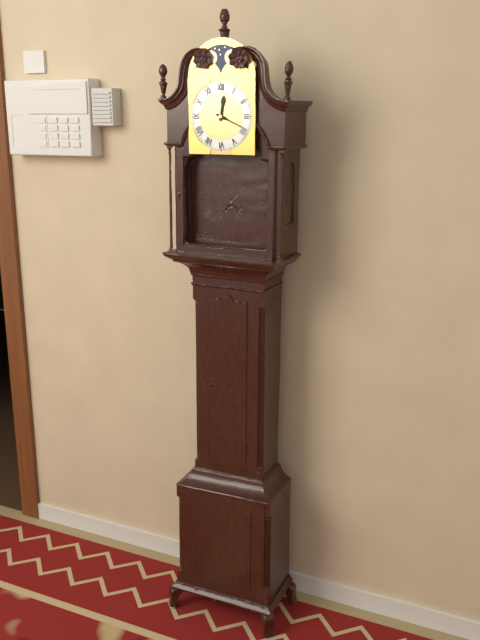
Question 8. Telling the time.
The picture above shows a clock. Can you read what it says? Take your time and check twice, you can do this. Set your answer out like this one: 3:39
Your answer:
12:19
